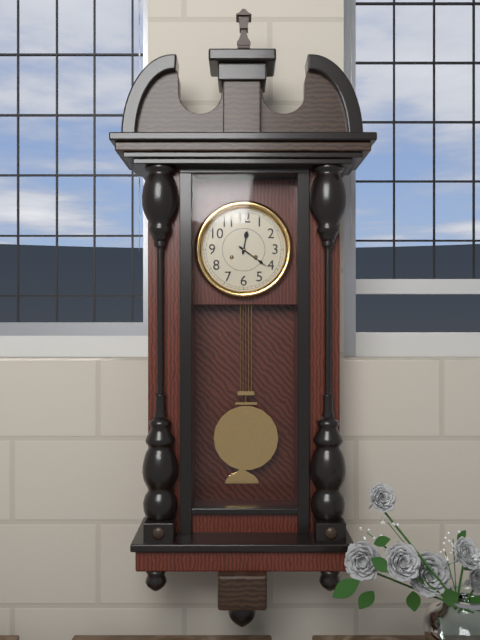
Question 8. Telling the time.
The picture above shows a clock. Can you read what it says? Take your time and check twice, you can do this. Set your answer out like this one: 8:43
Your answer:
12:21
